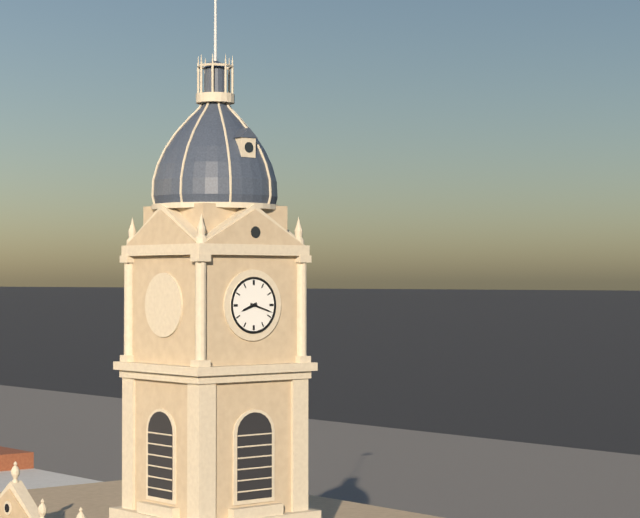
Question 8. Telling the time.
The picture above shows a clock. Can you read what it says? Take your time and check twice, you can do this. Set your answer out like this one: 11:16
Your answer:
8:18
